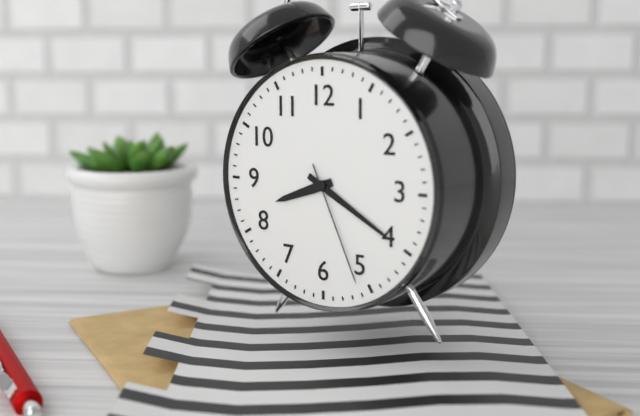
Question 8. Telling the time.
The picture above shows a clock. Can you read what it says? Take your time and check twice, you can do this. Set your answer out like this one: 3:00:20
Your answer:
8:20:26
